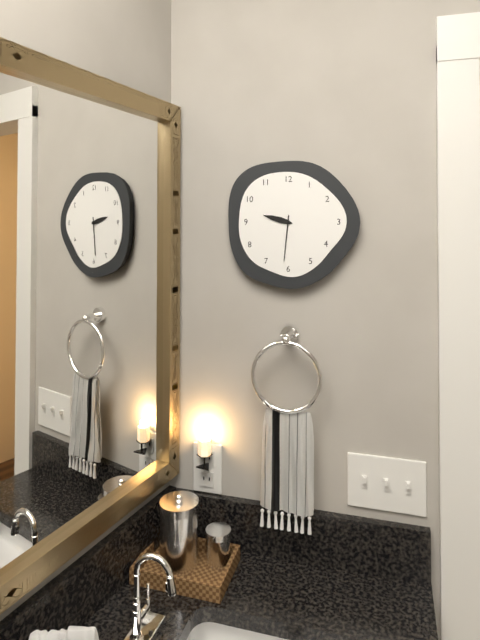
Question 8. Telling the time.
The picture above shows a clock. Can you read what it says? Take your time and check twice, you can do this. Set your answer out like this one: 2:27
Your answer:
9:31
